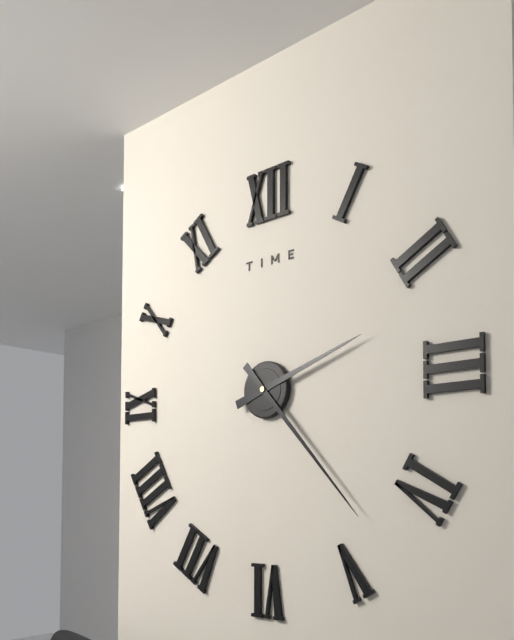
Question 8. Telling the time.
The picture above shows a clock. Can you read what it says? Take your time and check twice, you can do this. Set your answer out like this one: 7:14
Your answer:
2:23
